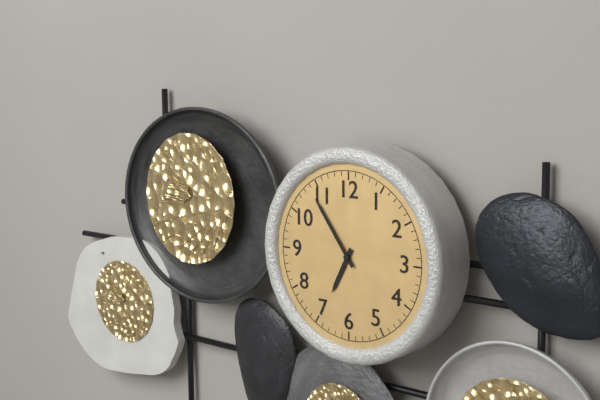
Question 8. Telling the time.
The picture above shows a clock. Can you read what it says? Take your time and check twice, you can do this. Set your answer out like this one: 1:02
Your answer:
6:54
